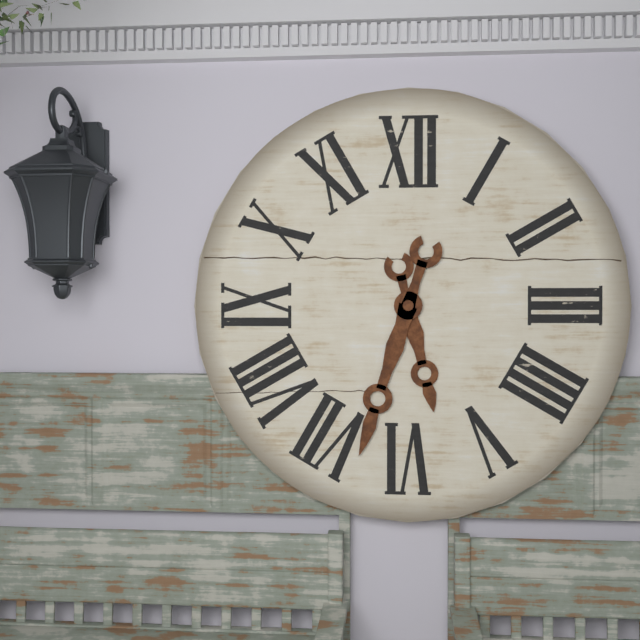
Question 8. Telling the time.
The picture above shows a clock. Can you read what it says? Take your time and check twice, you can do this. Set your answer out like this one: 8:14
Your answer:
5:33
